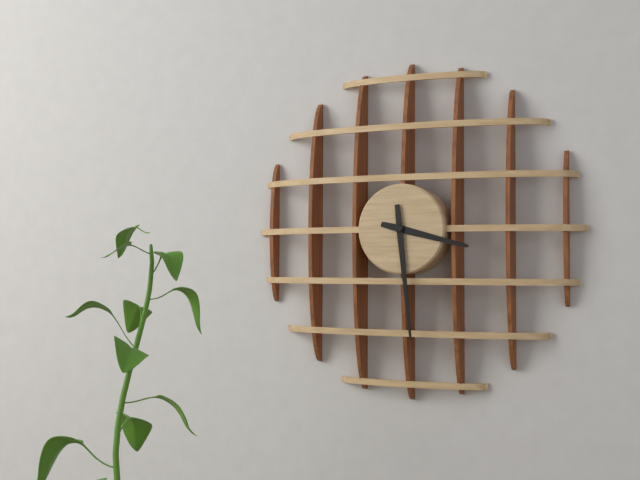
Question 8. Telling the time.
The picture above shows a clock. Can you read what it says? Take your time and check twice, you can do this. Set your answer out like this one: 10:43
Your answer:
3:29
